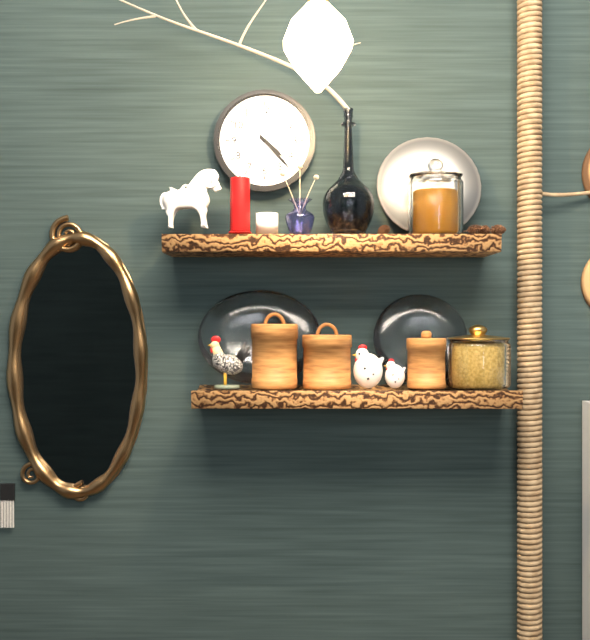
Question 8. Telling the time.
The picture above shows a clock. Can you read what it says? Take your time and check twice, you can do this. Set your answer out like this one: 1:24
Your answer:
4:23
